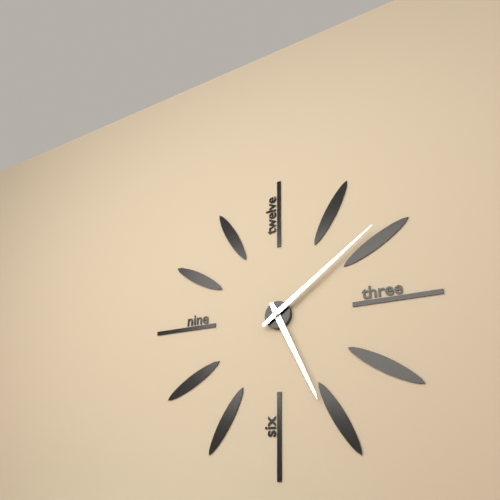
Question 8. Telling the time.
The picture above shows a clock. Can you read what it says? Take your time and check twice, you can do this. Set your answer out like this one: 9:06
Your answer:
5:09
